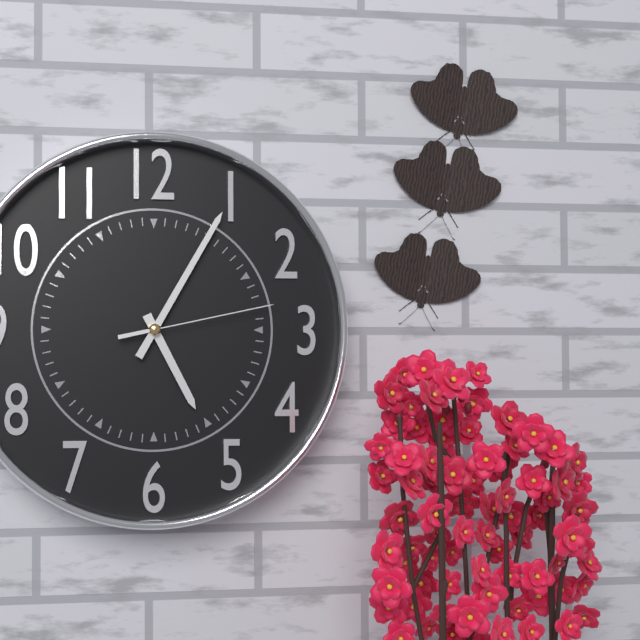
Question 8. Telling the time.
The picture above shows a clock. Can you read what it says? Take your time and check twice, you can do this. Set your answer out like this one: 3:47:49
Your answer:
5:05:13
